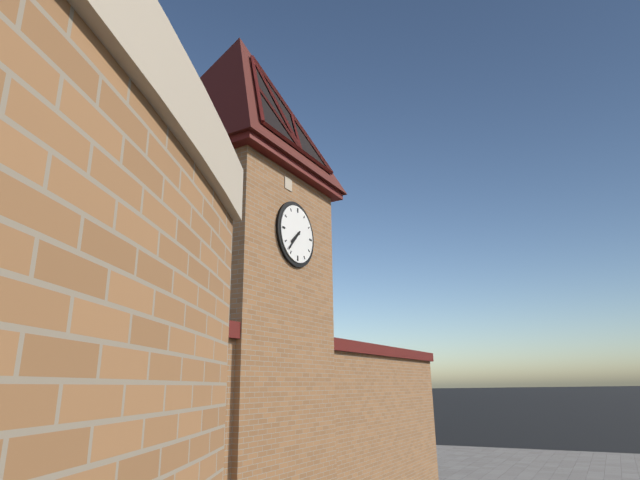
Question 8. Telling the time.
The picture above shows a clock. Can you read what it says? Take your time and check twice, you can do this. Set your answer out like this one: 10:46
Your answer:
7:37
